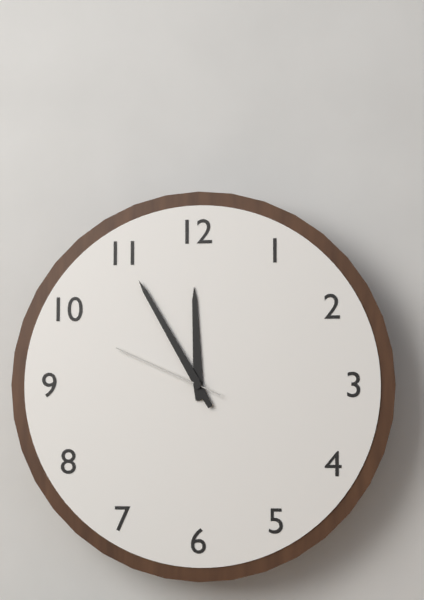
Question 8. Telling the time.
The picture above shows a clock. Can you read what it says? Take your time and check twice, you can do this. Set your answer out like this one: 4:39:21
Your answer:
11:55:49
